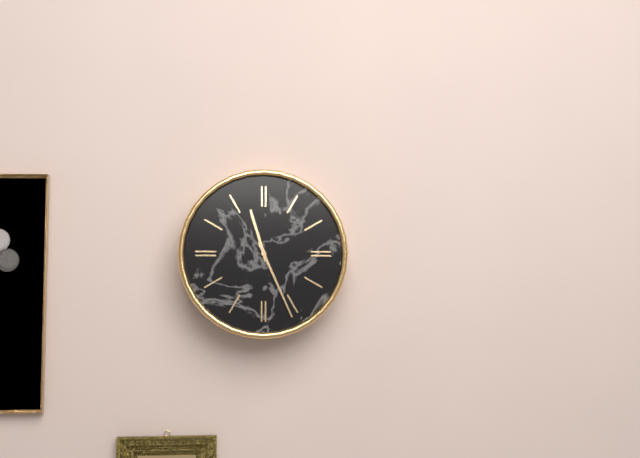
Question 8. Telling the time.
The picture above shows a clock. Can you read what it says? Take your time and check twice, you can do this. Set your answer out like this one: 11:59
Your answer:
11:26
